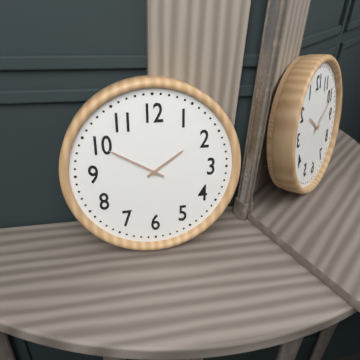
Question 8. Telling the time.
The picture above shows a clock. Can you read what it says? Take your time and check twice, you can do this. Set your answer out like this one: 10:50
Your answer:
1:50
